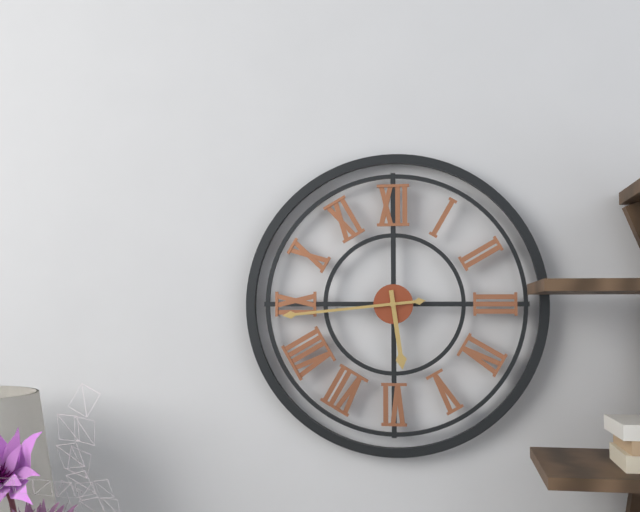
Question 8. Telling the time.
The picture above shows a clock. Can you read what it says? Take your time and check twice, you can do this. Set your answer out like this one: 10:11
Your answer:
5:44
